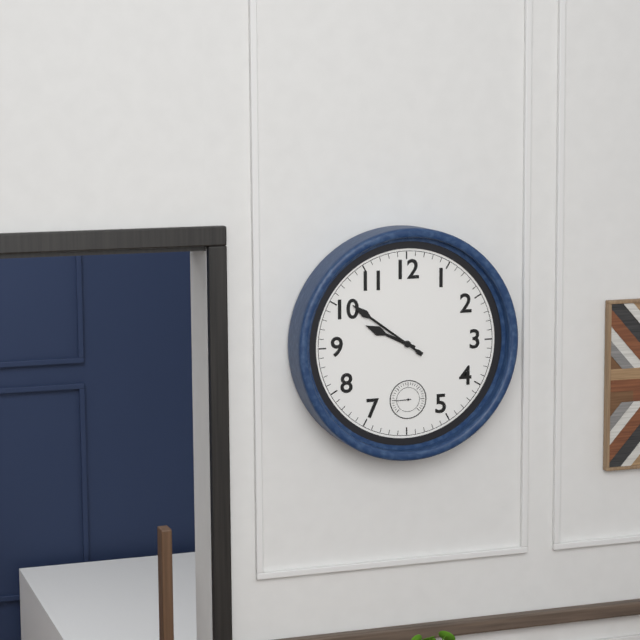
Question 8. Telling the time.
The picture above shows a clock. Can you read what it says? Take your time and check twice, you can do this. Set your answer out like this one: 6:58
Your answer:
9:51
